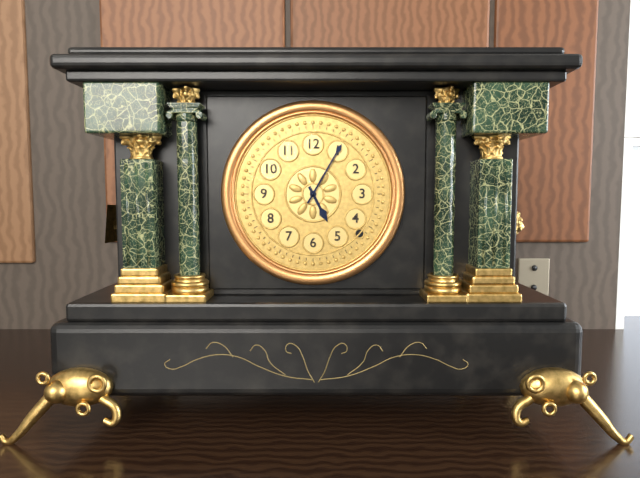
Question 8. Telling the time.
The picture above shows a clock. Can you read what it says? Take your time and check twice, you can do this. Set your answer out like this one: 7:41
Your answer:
5:05
